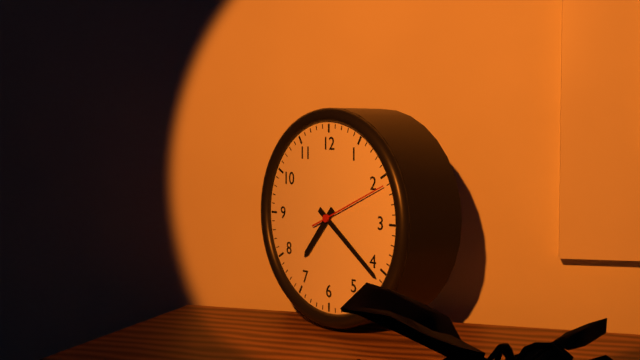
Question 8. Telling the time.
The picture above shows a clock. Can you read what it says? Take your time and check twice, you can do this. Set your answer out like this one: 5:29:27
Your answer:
7:21:11
